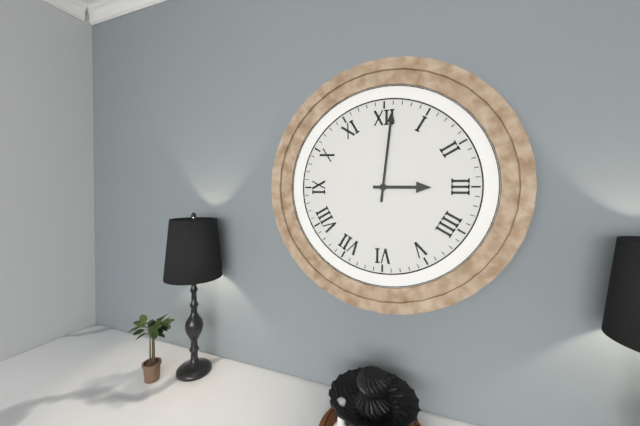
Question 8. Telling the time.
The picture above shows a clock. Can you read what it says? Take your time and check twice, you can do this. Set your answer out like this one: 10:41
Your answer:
3:01
